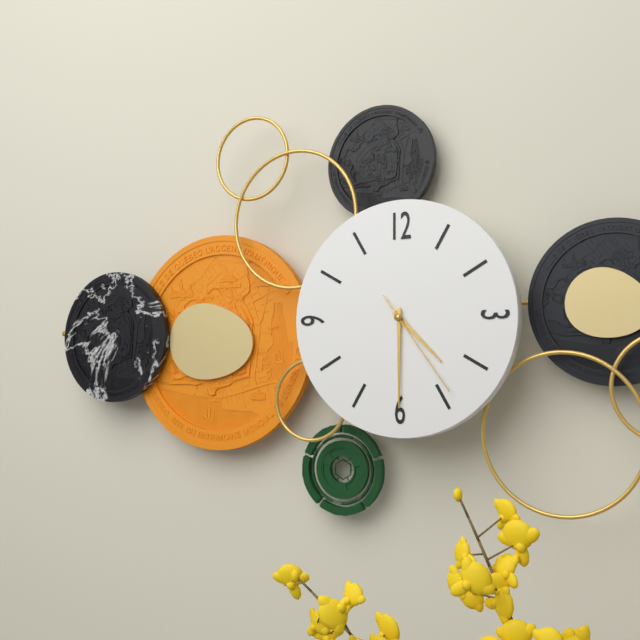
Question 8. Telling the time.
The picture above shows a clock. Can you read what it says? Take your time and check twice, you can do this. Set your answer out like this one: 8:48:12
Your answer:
4:30:24
